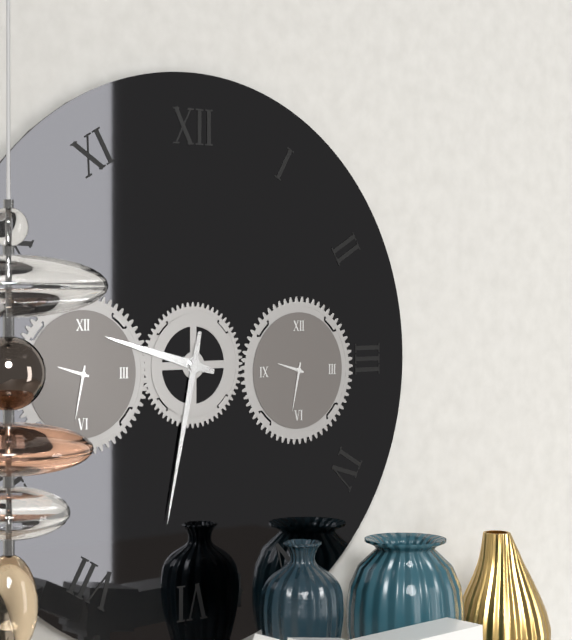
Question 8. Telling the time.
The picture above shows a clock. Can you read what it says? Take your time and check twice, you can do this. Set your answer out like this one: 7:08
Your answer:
9:32
